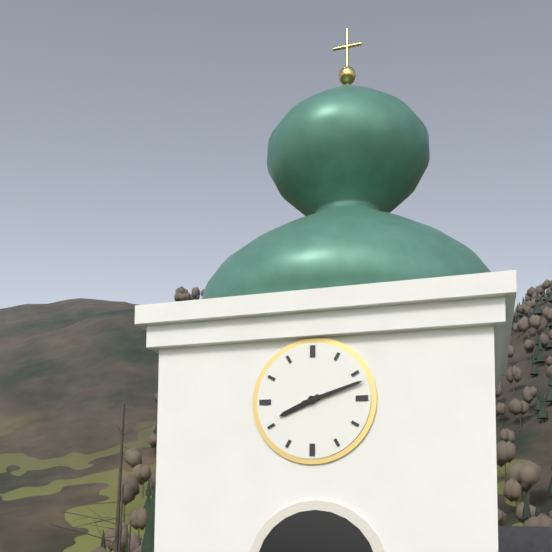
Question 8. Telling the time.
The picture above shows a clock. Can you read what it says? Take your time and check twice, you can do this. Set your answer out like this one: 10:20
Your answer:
8:12
